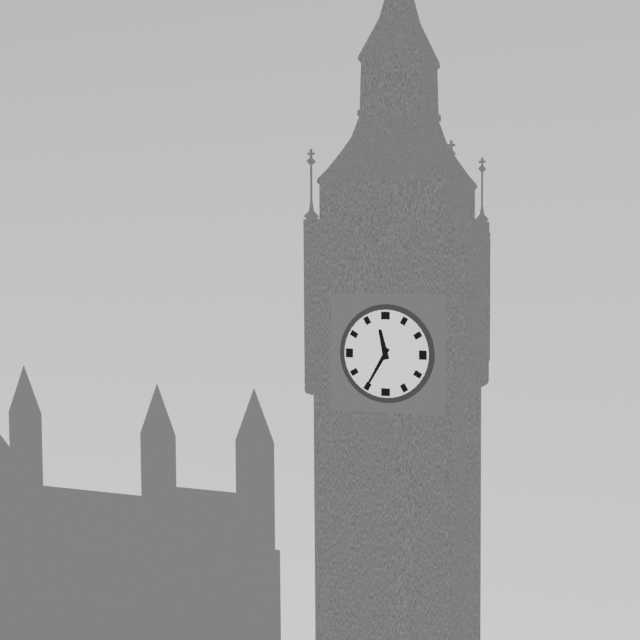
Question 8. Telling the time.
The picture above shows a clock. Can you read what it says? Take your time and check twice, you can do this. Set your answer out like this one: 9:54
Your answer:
11:35
